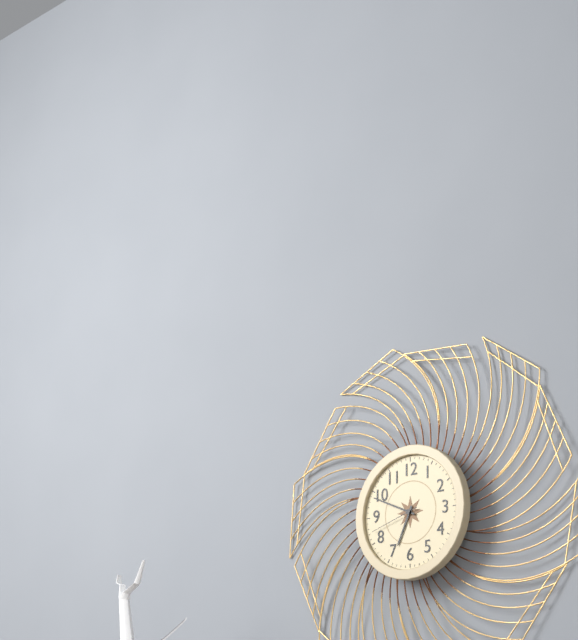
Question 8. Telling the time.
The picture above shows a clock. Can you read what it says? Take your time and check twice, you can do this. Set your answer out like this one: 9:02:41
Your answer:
6:49:42
